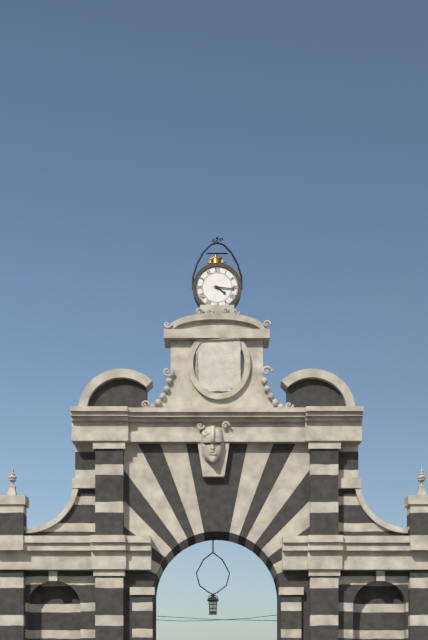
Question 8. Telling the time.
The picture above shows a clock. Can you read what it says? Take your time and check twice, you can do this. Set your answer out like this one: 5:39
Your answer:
4:16
